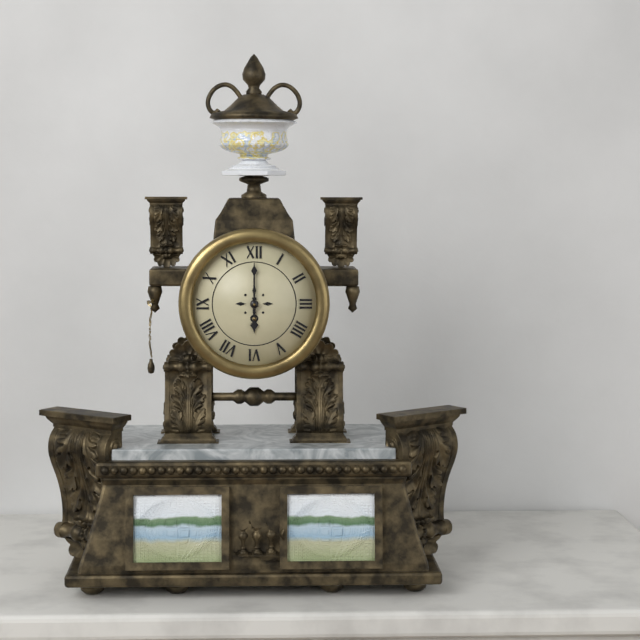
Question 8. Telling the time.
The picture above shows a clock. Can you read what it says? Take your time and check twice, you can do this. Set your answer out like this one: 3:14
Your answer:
6:00
